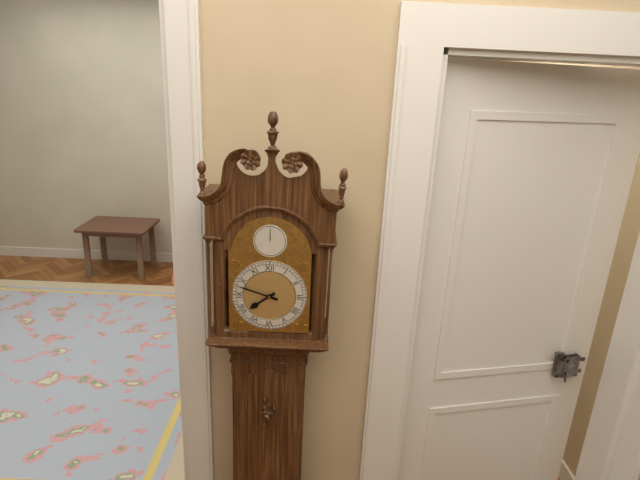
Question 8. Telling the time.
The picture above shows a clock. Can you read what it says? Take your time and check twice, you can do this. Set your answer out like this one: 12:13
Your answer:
7:48
